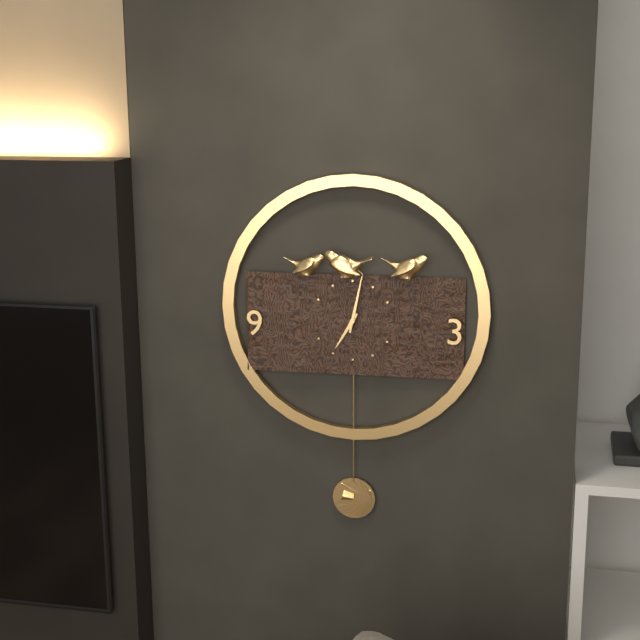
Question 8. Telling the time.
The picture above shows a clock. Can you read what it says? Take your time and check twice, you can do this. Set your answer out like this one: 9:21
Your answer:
7:02
